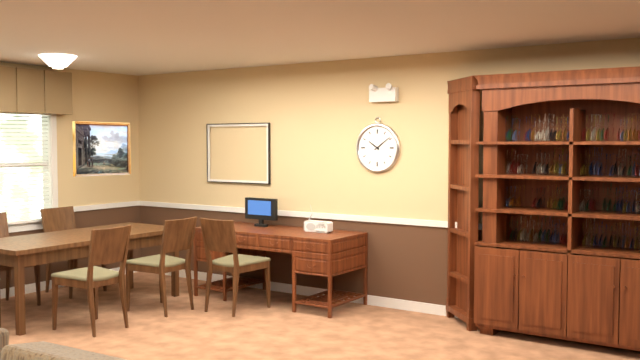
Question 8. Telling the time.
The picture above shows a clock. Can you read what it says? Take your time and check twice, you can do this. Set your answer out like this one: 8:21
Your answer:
10:09
